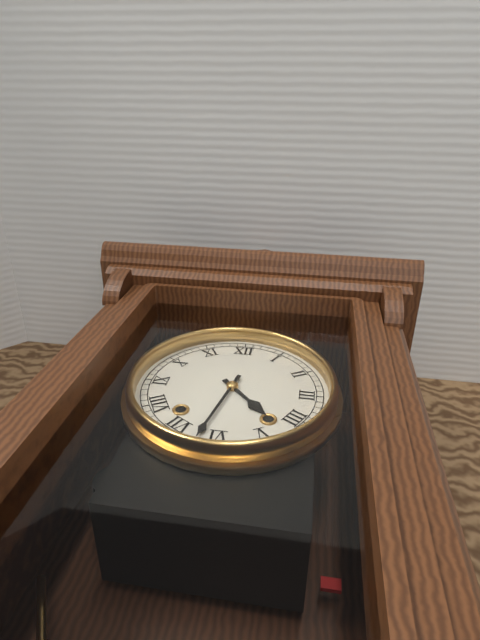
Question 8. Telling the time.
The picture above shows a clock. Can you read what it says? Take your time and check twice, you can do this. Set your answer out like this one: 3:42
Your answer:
4:32
